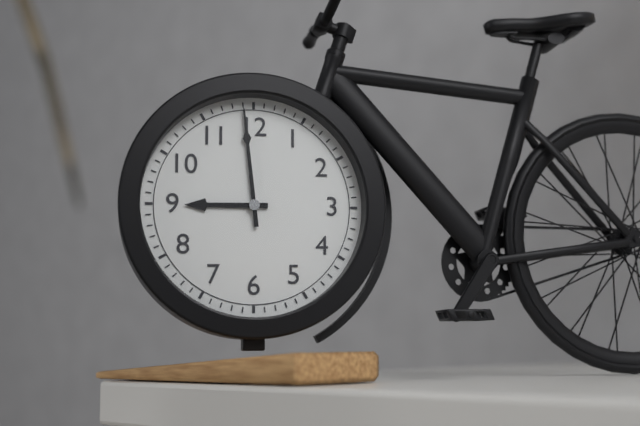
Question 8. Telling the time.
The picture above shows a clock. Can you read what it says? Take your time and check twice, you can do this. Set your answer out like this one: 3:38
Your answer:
8:59
